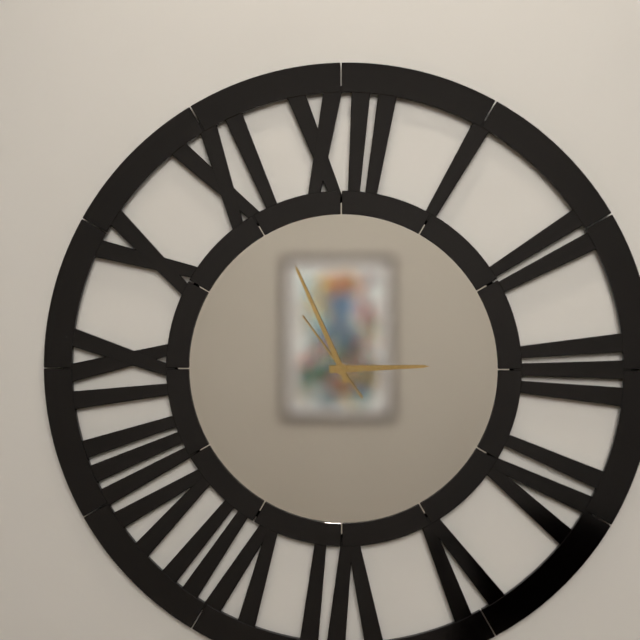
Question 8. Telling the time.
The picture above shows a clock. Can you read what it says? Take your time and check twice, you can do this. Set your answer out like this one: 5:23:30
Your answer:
2:56:54
